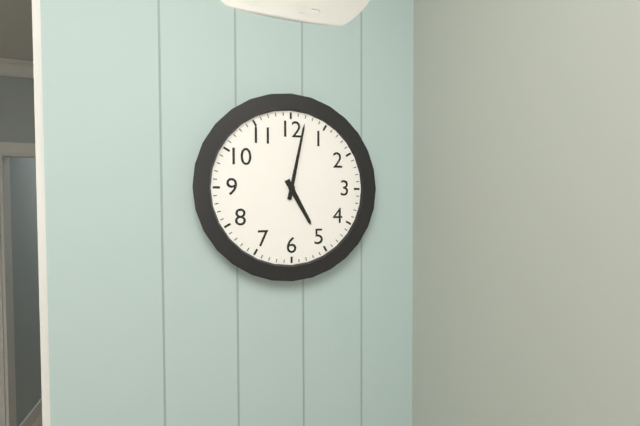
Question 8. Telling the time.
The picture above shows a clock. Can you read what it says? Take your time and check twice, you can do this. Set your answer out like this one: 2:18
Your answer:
5:02
